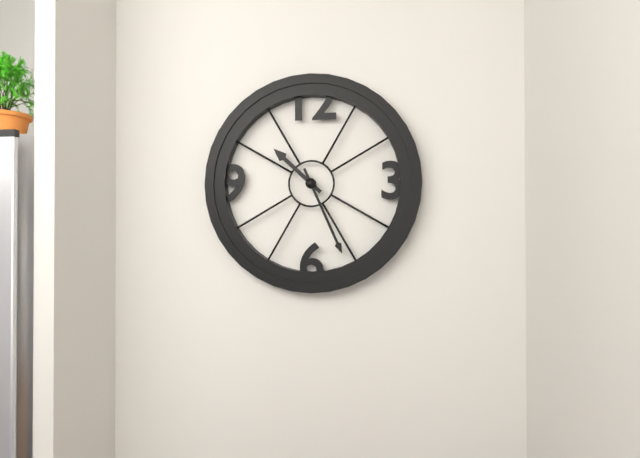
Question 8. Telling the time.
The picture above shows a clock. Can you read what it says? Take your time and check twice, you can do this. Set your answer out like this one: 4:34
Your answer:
10:26
